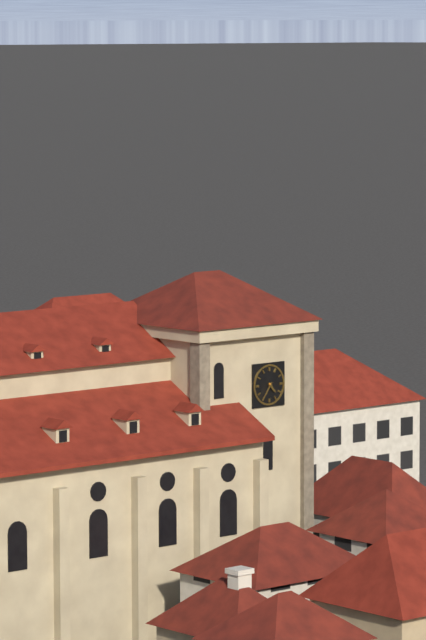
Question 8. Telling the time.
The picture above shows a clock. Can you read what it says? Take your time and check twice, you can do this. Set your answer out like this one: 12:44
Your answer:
4:36
